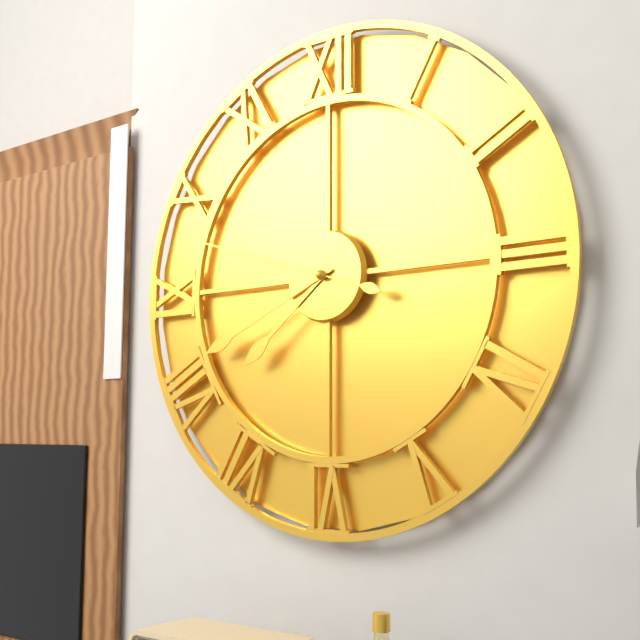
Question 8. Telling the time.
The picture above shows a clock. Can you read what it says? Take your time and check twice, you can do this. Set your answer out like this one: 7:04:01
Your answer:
7:41:48
